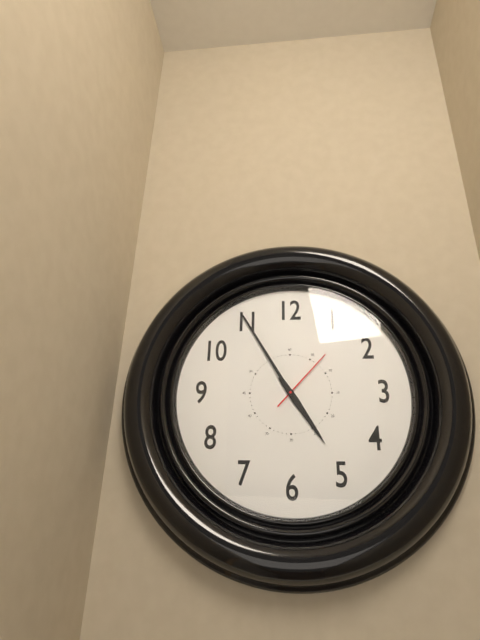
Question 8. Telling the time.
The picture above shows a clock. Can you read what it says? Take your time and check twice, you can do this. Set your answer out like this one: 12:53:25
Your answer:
4:55:07
